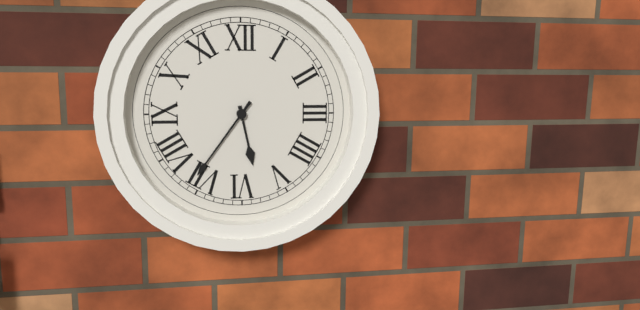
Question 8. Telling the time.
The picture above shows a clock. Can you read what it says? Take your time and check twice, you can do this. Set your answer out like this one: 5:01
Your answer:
5:36
